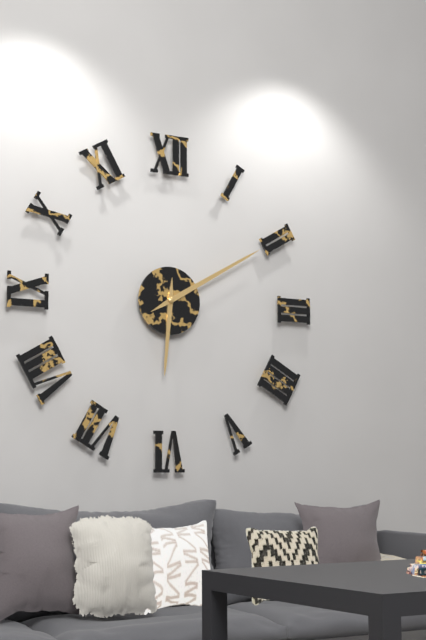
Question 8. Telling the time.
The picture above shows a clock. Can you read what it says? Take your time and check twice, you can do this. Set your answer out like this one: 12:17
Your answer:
6:10
